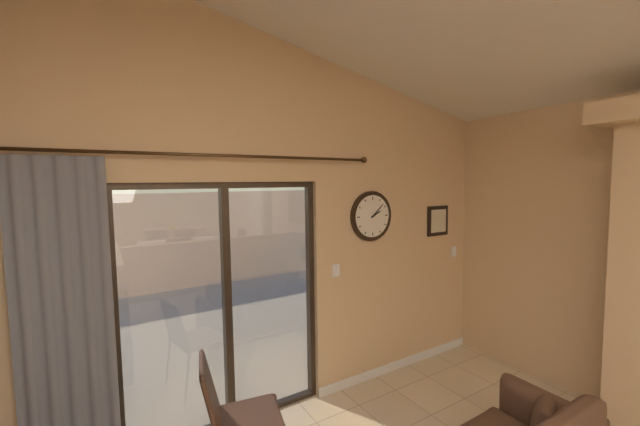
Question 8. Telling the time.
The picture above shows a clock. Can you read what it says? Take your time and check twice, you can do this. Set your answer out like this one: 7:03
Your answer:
2:08
